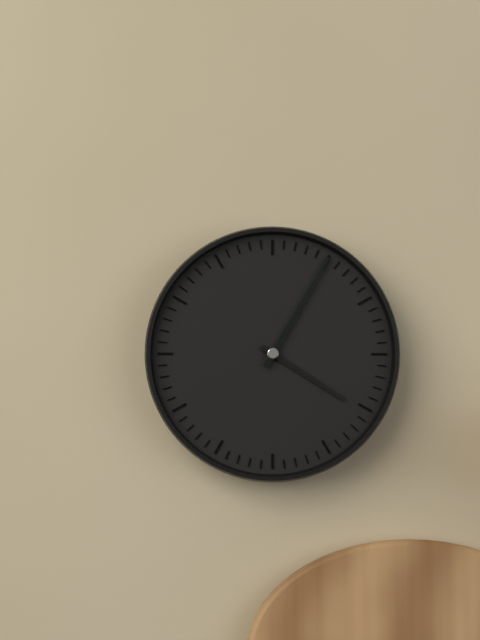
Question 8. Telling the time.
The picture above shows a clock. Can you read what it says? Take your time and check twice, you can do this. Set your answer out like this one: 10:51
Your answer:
4:05
